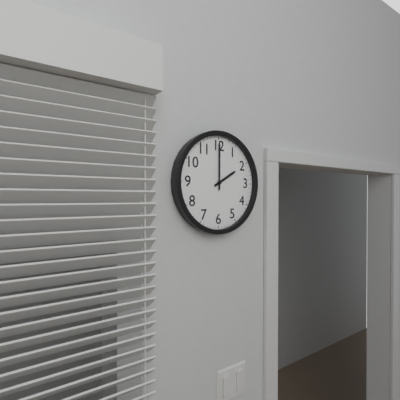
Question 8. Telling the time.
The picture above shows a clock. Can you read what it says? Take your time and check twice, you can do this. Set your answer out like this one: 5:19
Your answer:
2:00
